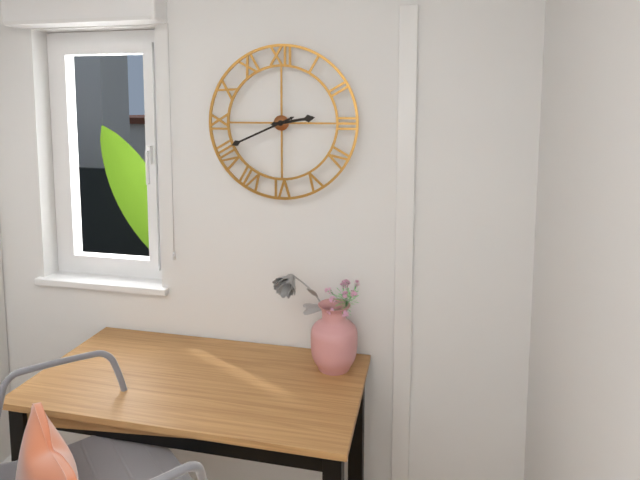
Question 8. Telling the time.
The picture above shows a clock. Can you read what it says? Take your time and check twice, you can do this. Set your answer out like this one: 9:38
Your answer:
2:41
